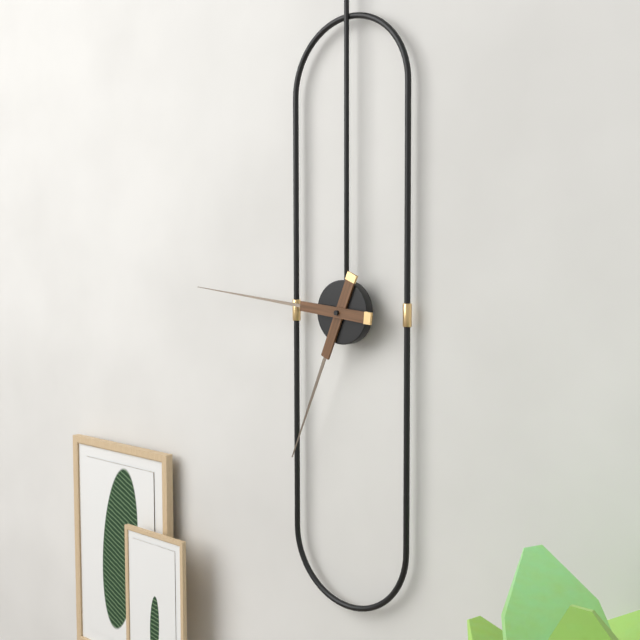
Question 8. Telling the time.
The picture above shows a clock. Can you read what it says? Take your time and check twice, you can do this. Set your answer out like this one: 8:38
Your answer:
6:46
